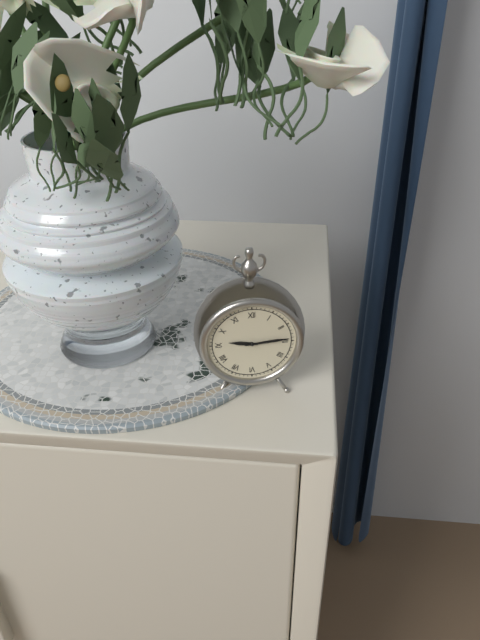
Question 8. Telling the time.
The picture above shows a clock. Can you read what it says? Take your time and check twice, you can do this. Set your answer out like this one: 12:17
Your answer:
9:14
